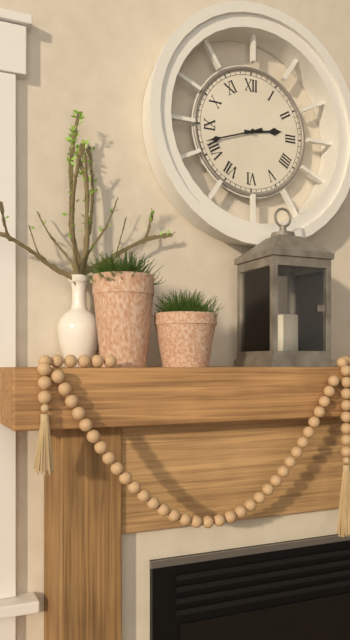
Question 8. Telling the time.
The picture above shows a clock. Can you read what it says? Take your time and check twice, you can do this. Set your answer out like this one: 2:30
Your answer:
2:42
